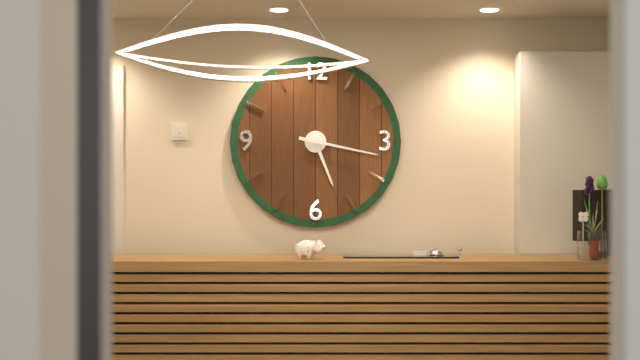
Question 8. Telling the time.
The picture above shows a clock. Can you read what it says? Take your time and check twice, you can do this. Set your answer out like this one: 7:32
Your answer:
5:17
